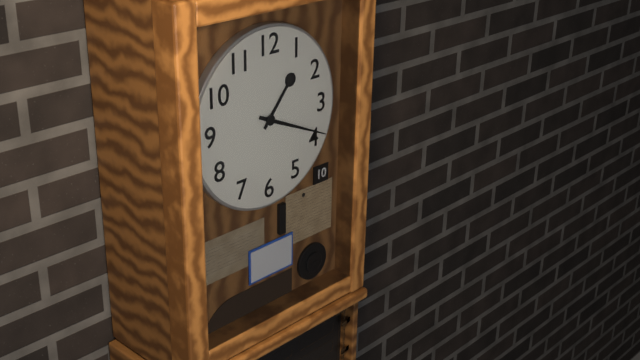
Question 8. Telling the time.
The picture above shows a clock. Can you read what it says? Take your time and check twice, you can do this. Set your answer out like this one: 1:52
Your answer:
1:19
